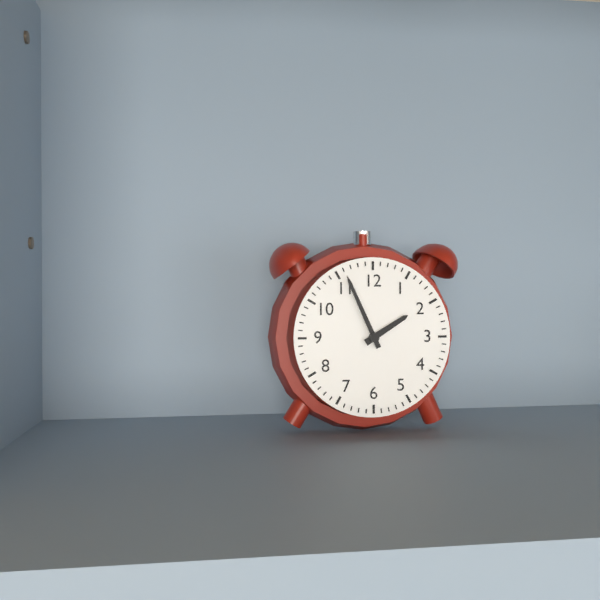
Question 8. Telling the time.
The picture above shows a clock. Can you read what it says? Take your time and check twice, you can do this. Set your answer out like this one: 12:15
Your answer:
1:56
